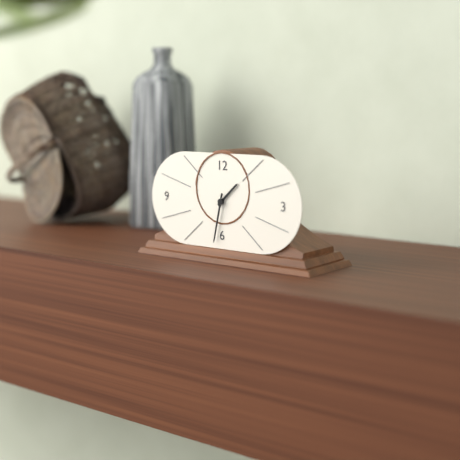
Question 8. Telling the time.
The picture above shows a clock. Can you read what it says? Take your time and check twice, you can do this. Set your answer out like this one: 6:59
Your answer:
1:32
